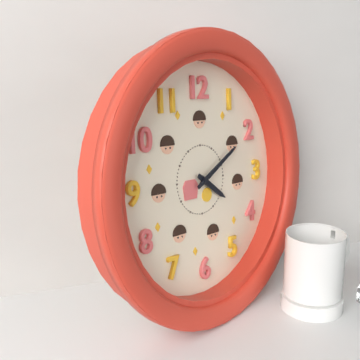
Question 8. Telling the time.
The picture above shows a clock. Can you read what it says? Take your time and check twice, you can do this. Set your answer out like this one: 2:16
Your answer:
4:10
